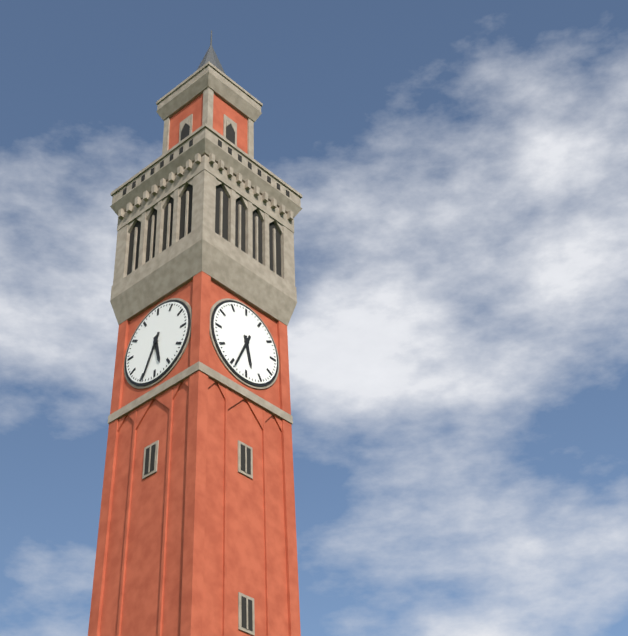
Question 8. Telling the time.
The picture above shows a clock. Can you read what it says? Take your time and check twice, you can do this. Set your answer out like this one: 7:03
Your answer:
5:34
